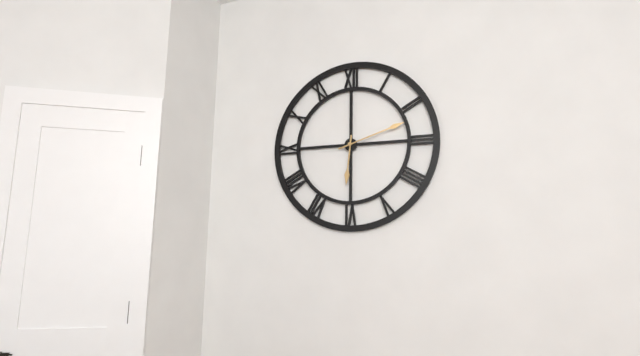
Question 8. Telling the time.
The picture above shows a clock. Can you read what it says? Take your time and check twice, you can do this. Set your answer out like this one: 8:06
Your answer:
6:12
